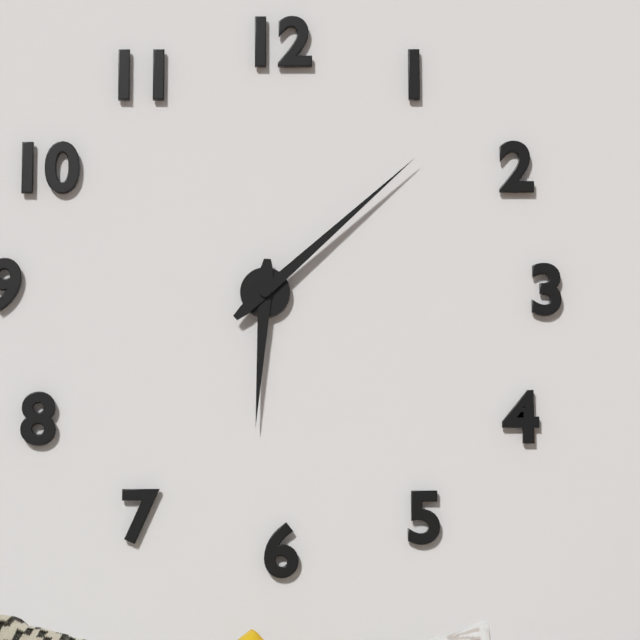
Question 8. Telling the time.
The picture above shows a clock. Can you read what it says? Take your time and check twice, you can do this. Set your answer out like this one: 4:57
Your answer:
6:08
